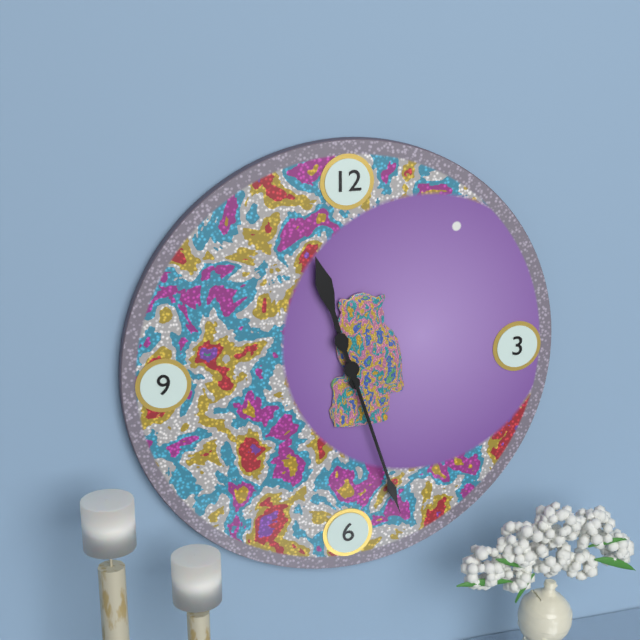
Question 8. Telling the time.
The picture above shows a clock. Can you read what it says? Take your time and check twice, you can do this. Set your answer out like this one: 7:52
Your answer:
11:27
